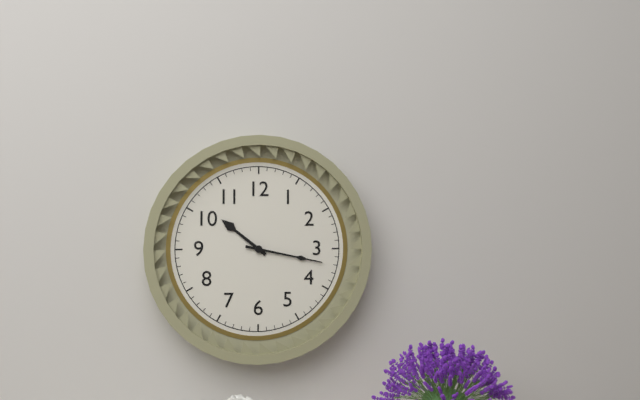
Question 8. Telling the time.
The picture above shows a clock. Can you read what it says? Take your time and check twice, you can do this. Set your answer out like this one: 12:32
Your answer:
10:17
